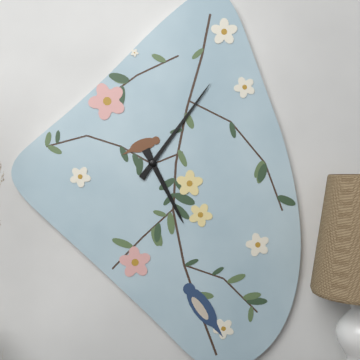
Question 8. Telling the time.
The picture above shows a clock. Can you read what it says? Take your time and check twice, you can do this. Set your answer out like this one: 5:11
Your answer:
5:06
